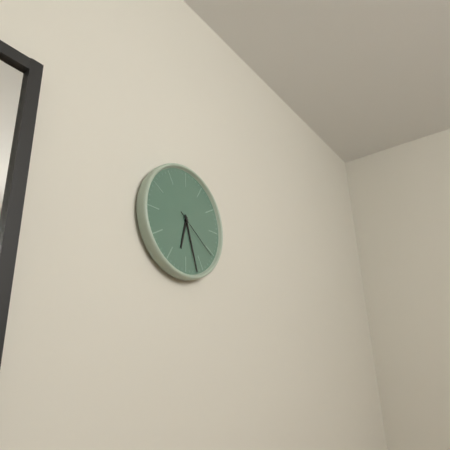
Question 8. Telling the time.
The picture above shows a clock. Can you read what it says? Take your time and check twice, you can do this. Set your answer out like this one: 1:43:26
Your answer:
6:27:21
